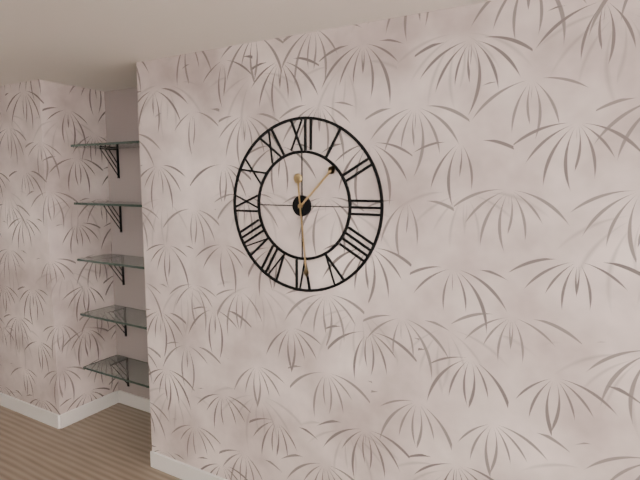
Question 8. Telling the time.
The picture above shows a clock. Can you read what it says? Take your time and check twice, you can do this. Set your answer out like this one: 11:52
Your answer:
1:29
